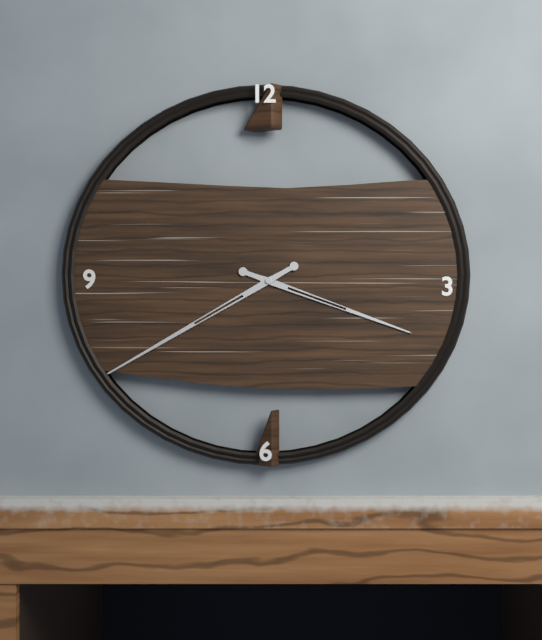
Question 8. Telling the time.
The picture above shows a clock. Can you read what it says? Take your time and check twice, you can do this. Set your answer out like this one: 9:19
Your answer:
3:40
